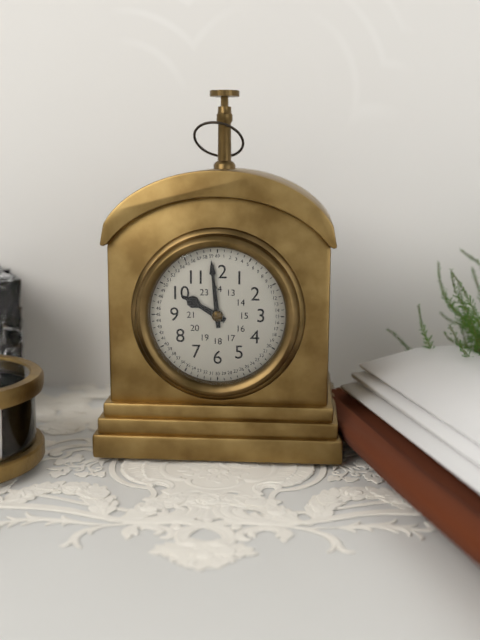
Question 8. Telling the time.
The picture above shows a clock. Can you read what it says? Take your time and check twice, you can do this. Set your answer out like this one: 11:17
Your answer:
9:59
